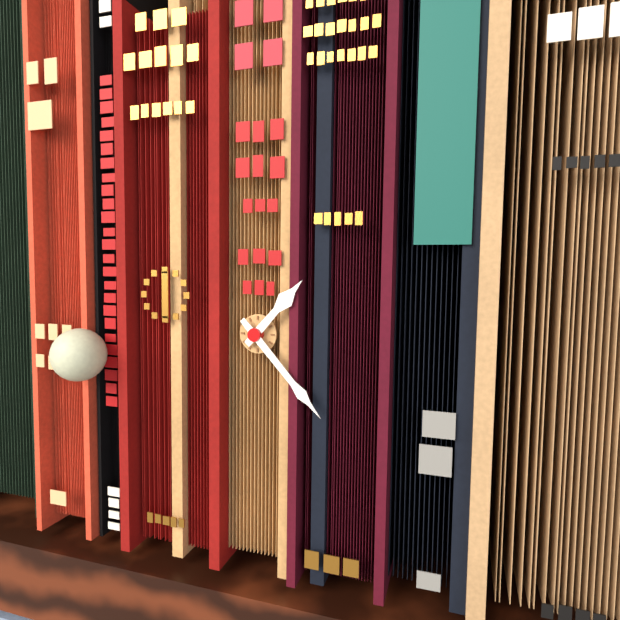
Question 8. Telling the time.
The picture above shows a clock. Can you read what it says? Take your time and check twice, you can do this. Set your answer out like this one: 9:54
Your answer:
1:23
